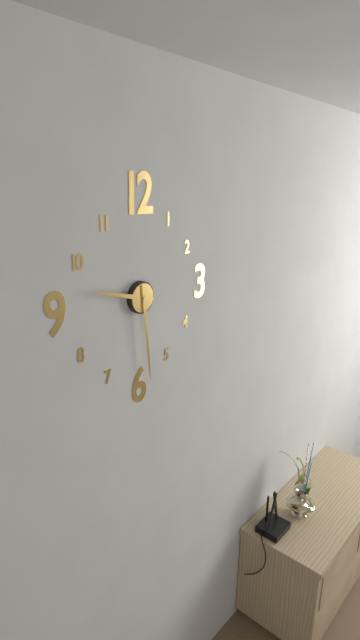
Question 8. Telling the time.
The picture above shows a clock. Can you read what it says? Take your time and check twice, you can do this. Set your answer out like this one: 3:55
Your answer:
9:29
